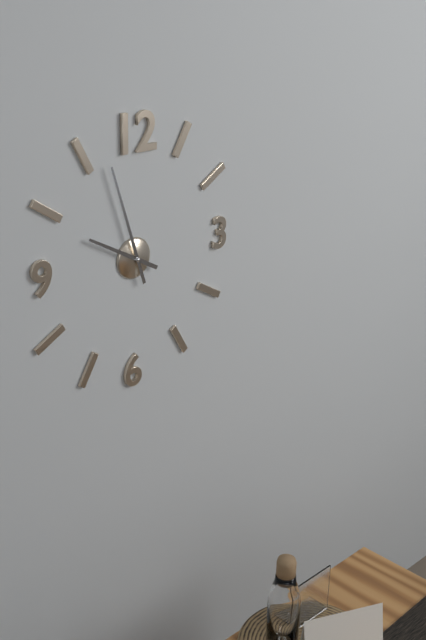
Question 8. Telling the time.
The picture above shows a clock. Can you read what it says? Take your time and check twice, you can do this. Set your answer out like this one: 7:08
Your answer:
9:57
